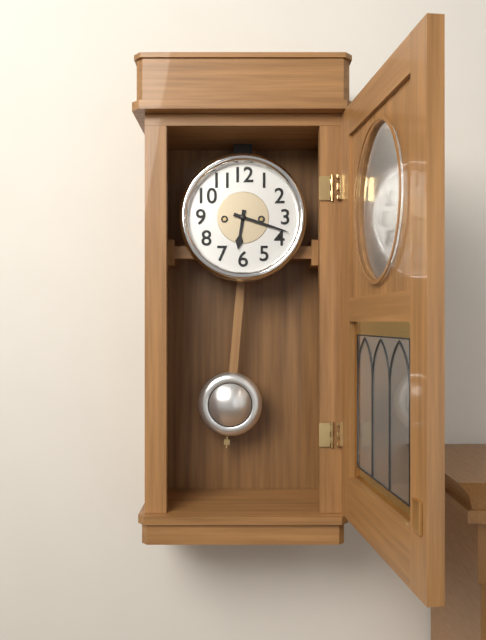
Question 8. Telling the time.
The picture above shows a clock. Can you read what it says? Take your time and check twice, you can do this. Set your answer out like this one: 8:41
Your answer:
6:18
